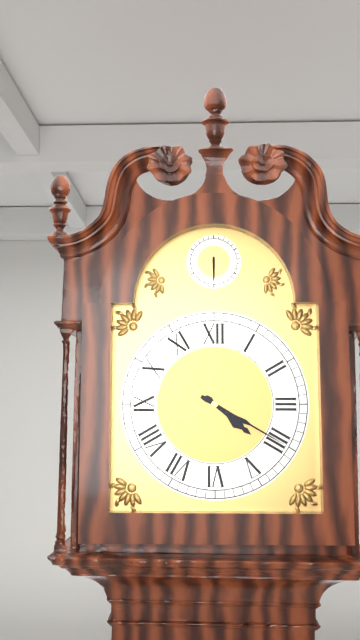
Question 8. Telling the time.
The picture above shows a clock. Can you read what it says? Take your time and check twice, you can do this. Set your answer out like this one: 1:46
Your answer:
4:20
